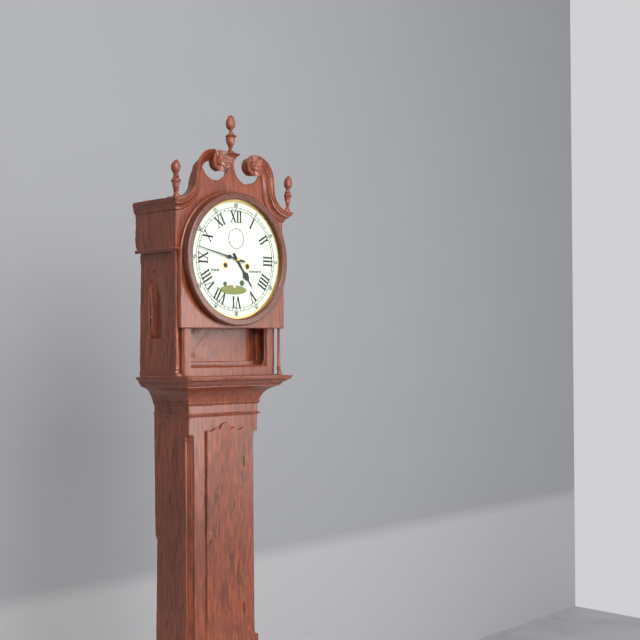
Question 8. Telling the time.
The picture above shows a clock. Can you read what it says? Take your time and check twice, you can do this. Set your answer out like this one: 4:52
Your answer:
4:47
